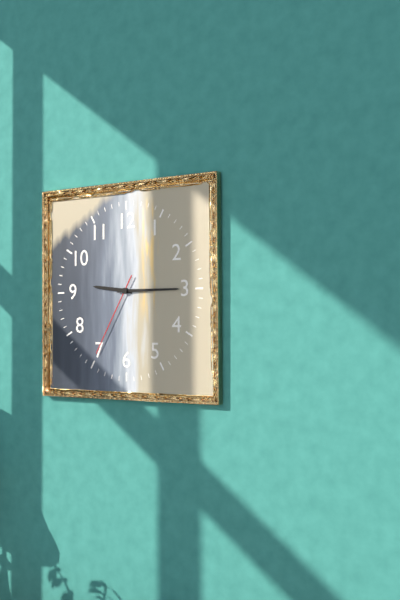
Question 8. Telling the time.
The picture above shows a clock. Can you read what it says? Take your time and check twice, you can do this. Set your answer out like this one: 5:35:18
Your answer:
9:15:35
